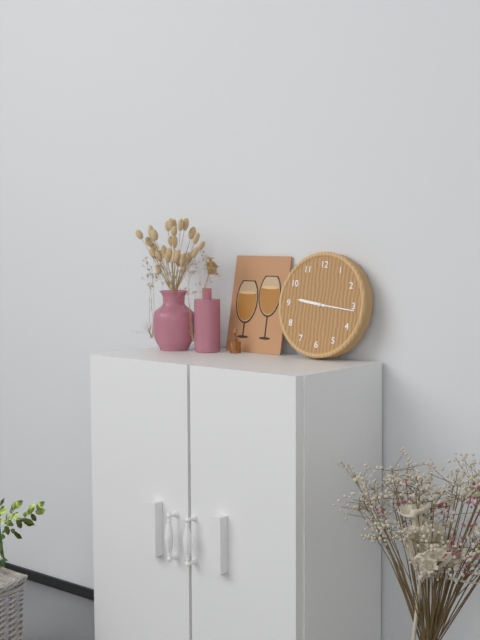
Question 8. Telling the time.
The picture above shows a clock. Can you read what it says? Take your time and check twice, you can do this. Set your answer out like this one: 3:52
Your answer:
9:16
